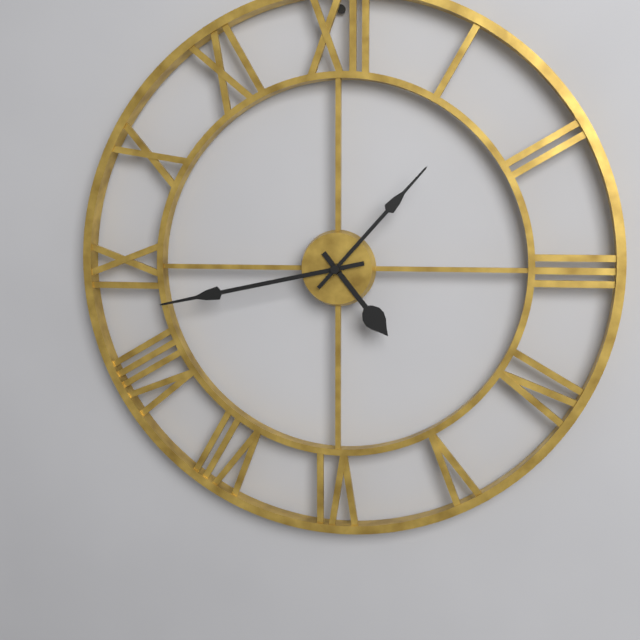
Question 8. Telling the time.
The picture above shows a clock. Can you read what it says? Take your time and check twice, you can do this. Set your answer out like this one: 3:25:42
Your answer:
4:43:07
